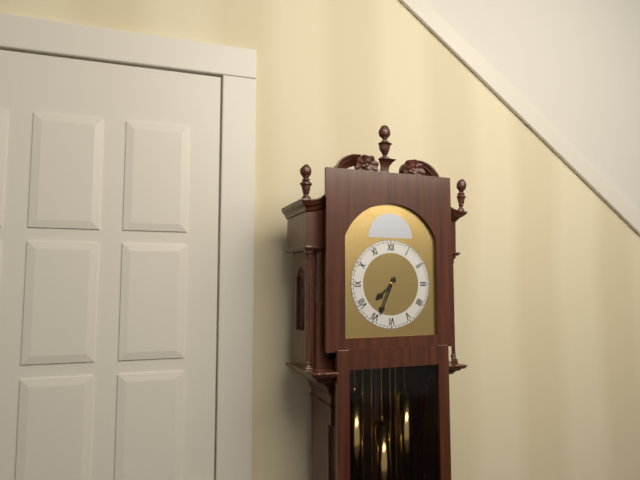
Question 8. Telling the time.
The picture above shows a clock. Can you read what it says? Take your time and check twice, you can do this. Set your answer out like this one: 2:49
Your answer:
7:34
